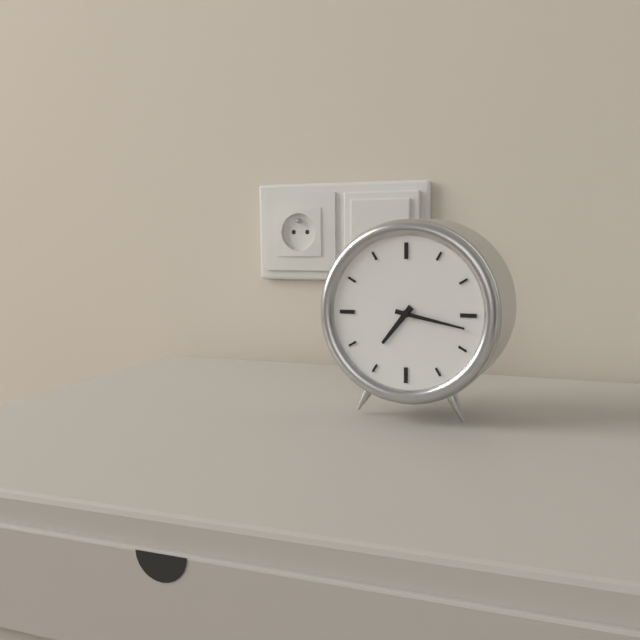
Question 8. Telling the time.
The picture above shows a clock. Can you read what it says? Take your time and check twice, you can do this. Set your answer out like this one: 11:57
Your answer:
7:17
